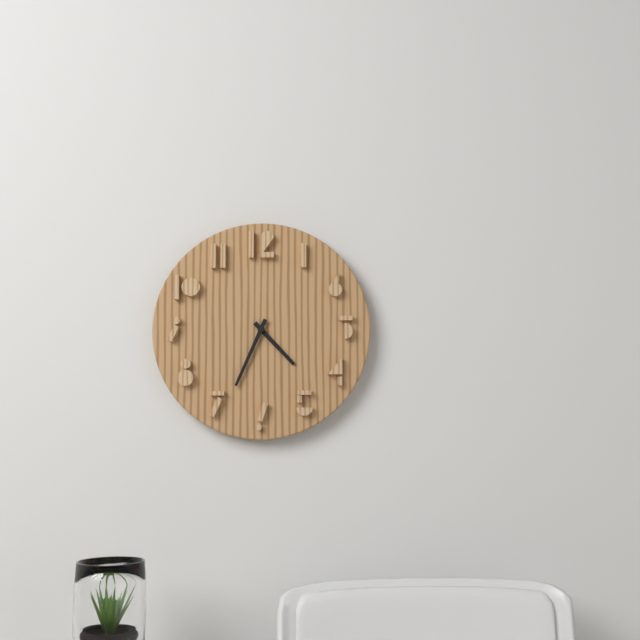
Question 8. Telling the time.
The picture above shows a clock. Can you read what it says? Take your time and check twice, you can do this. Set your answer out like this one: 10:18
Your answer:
4:34
